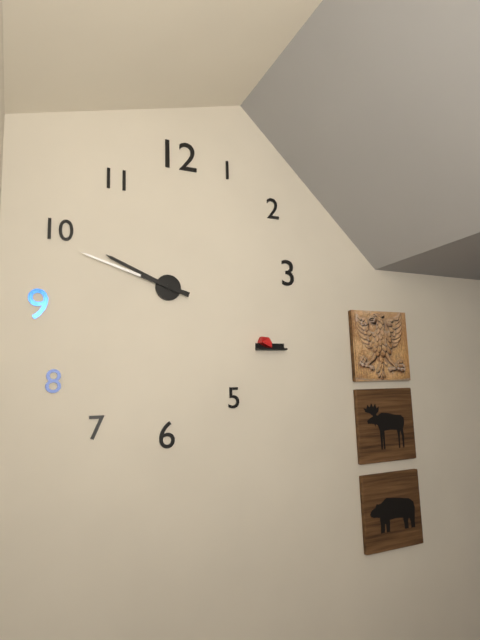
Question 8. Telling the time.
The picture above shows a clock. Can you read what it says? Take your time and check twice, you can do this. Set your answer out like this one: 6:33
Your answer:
9:48
